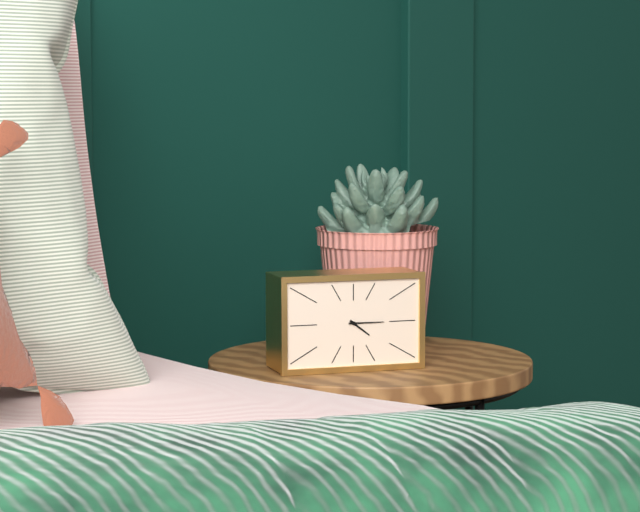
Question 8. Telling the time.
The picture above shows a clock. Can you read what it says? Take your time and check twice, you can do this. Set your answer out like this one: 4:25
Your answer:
4:15
